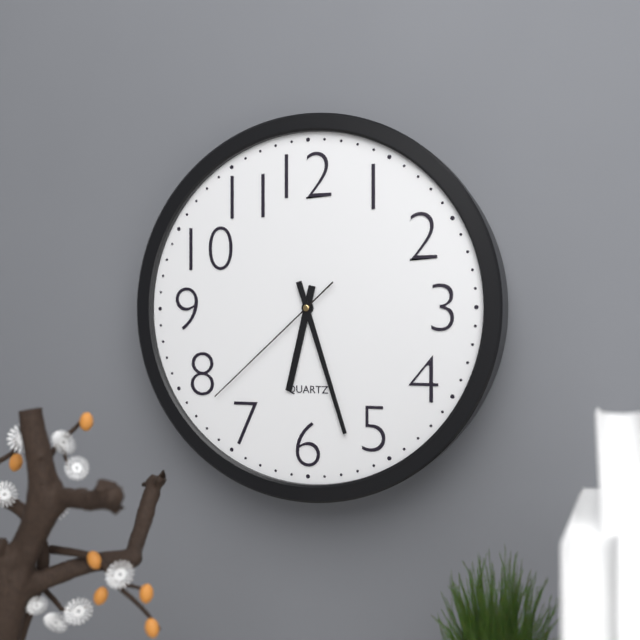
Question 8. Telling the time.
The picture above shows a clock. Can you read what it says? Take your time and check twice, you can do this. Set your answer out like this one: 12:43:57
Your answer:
6:27:38
